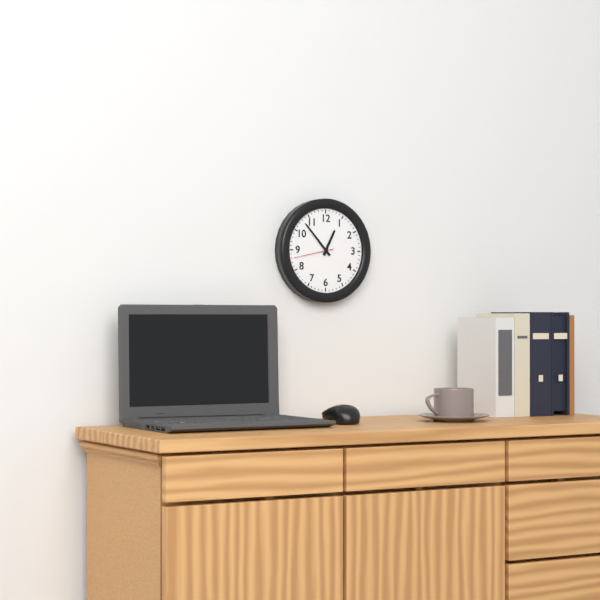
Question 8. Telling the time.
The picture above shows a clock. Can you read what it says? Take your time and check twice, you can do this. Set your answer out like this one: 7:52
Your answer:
12:53
